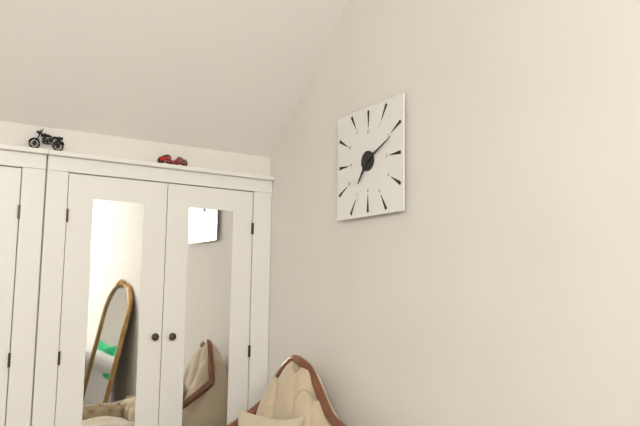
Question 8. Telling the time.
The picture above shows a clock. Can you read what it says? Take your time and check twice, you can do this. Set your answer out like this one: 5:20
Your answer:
7:11
